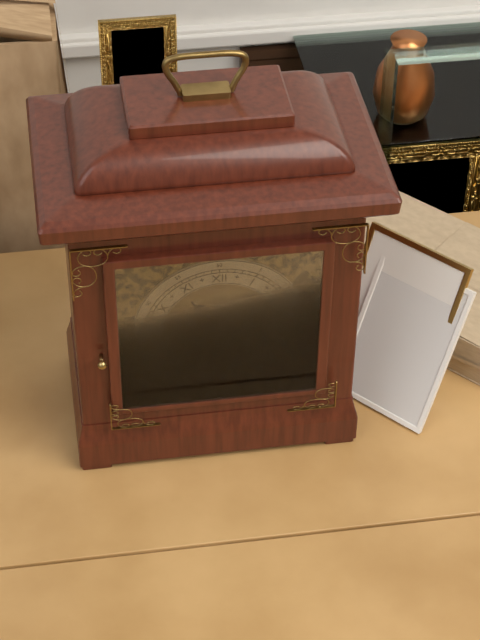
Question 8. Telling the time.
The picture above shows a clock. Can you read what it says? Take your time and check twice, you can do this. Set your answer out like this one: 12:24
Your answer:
10:48
